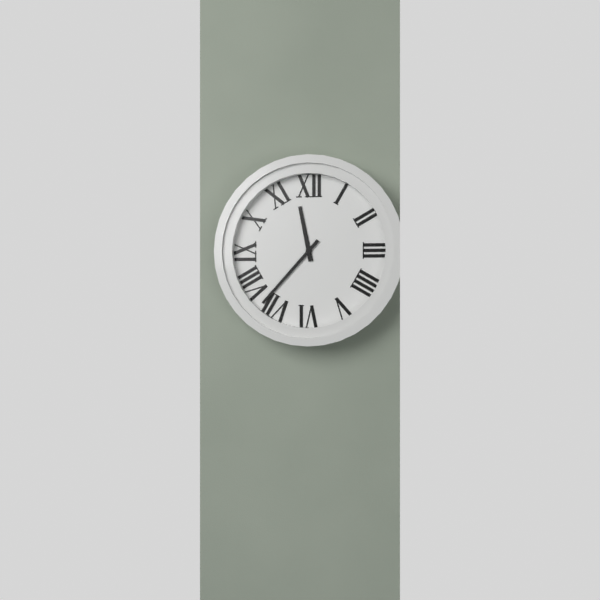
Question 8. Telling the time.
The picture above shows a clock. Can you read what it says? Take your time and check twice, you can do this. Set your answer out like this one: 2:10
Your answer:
11:37
